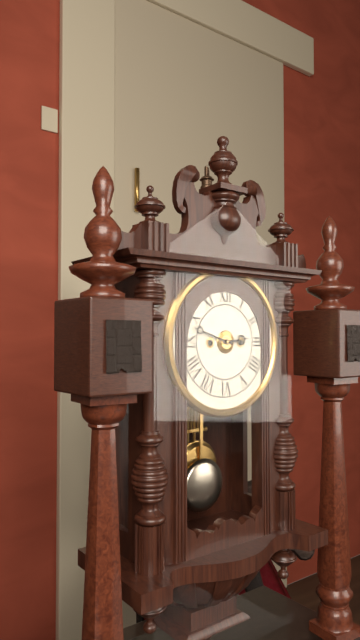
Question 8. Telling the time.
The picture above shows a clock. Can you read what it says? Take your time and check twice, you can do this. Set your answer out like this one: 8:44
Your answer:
2:48
